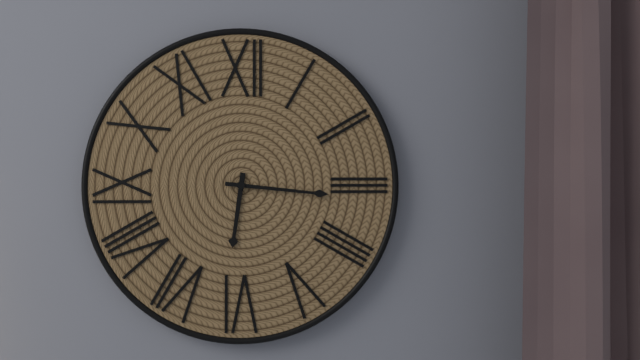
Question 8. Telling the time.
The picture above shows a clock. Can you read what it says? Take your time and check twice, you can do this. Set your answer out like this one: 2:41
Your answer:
6:16
